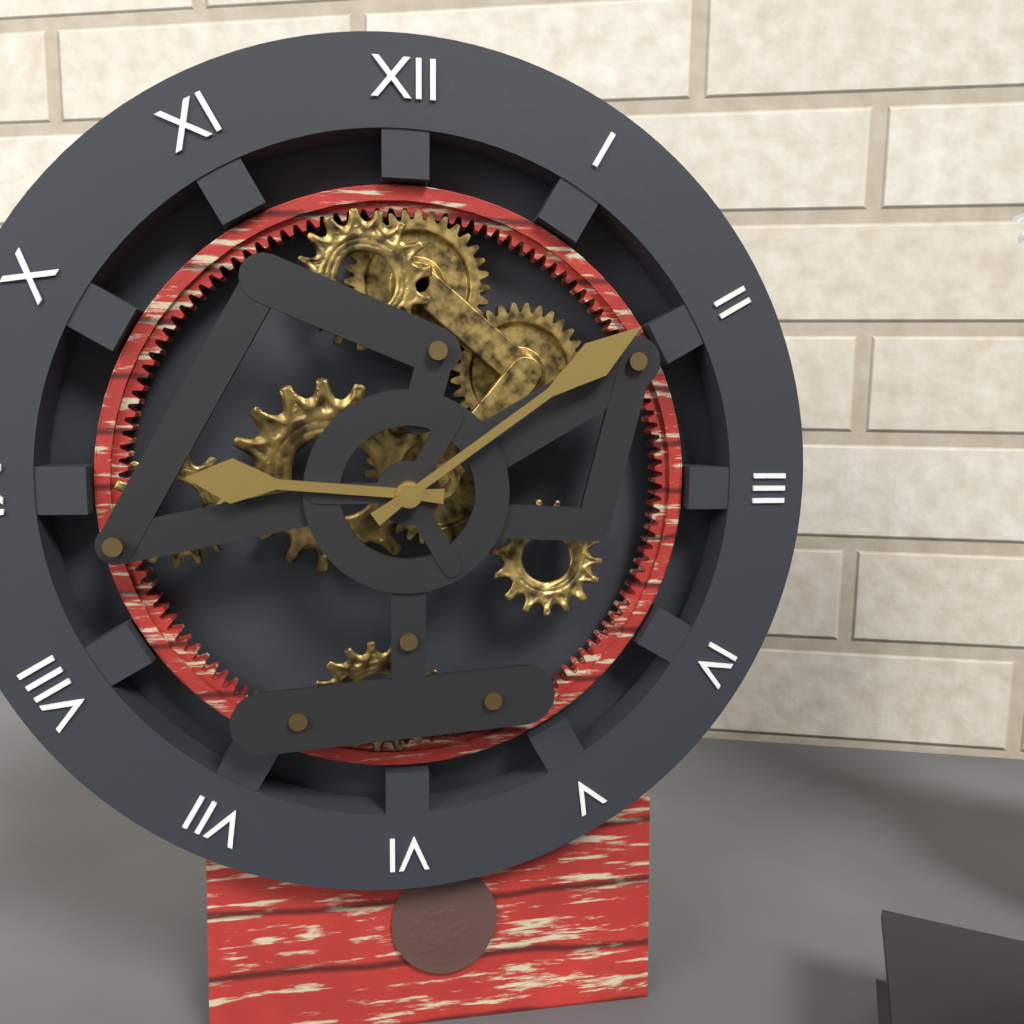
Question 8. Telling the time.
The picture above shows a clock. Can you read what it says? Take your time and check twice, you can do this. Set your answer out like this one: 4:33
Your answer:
9:09
